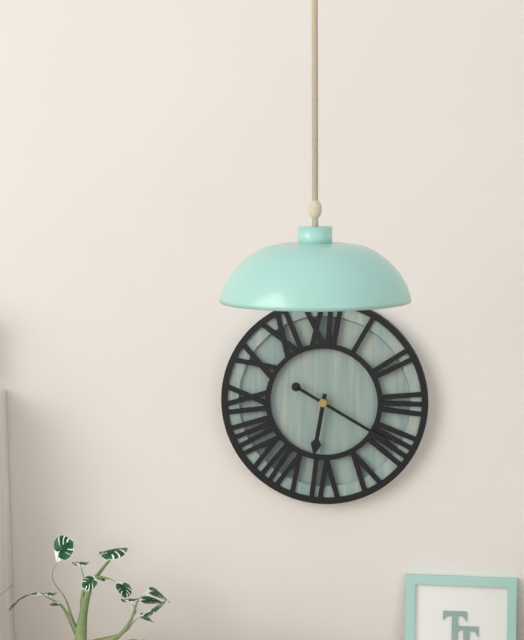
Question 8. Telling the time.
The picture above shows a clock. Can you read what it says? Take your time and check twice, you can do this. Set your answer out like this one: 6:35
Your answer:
6:20
